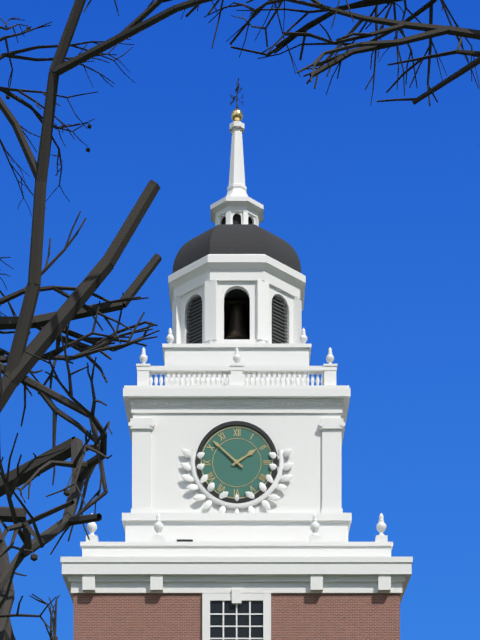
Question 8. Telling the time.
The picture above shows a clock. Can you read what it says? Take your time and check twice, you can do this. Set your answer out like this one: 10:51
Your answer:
1:52
